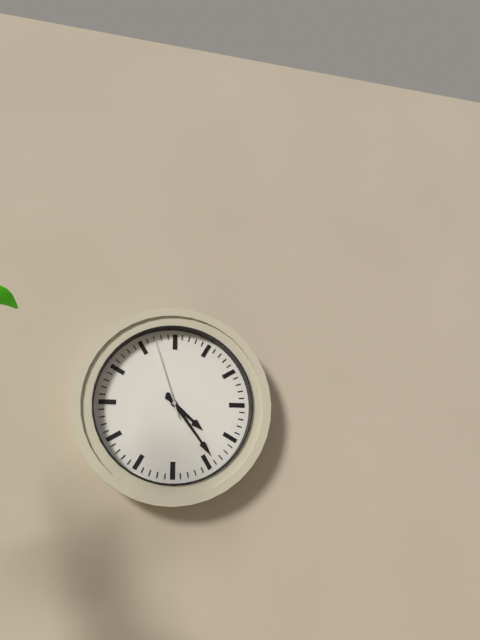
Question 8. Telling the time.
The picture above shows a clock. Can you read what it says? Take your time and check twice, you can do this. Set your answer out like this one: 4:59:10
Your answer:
4:24:57
